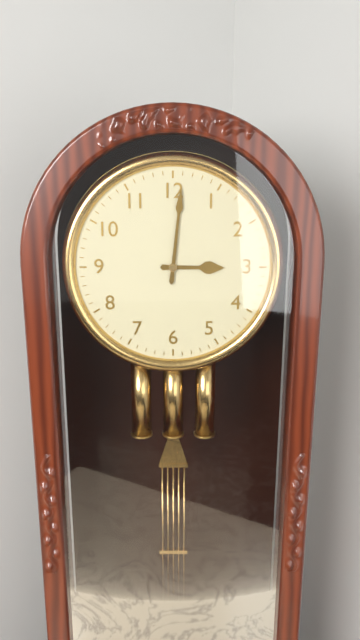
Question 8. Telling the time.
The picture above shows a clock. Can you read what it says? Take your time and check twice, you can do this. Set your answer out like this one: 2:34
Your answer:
3:01
